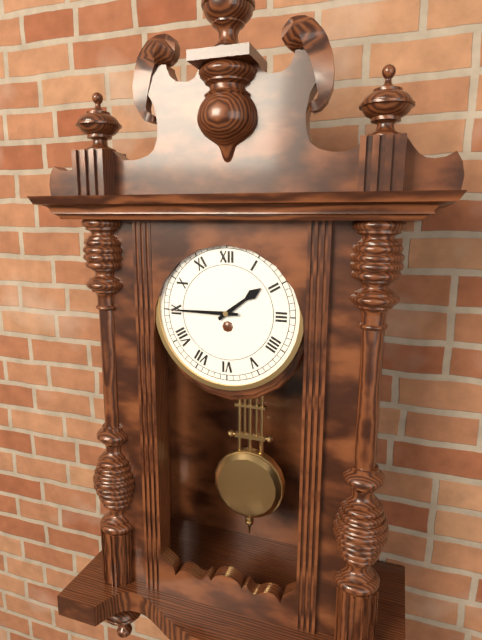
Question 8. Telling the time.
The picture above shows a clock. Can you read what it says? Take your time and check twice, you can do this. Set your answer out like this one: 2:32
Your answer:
1:45
